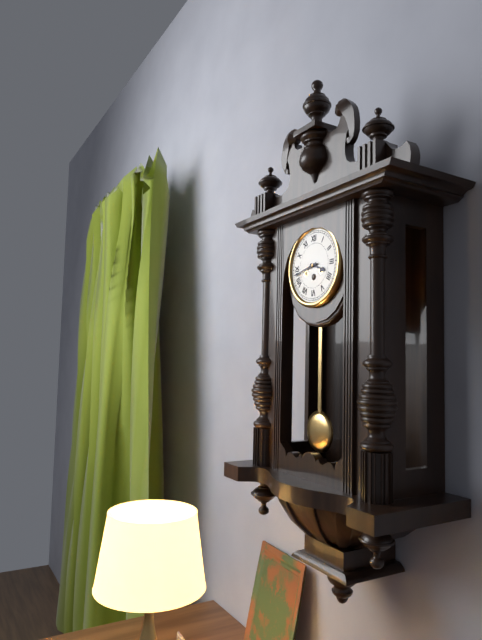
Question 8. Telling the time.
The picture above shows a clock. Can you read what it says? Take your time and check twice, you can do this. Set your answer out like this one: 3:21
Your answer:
3:43
